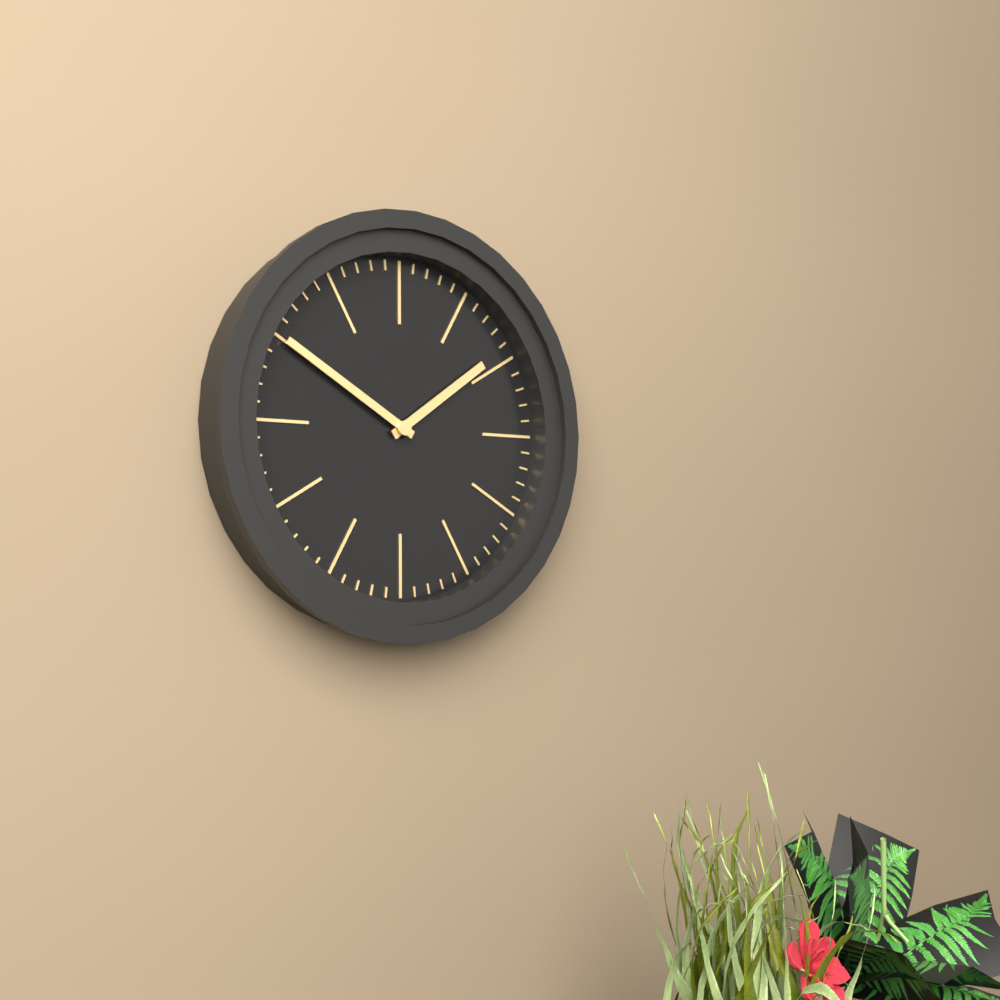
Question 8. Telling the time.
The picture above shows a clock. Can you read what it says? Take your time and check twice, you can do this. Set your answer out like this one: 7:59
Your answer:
1:50
